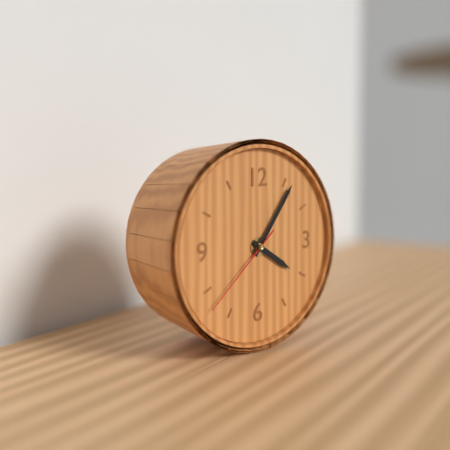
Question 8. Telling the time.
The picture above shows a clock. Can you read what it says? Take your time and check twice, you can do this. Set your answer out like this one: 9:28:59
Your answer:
4:06:38
